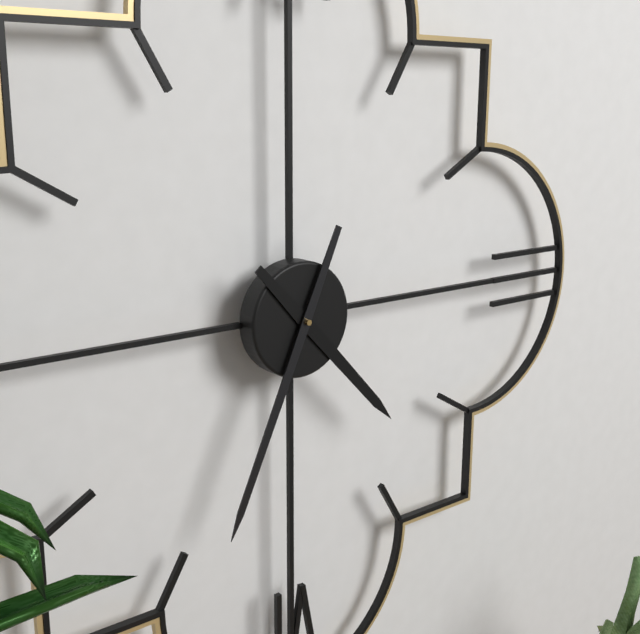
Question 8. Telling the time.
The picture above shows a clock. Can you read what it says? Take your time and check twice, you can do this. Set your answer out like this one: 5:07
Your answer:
4:34
